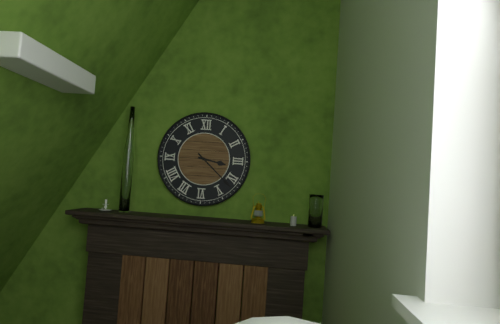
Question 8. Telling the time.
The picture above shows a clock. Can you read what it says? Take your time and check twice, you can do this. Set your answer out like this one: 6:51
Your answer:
3:22
